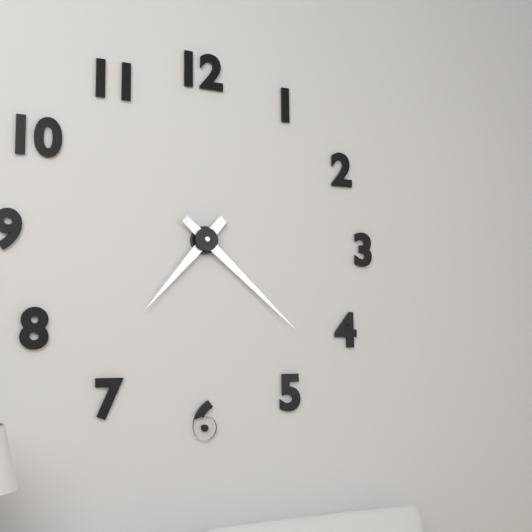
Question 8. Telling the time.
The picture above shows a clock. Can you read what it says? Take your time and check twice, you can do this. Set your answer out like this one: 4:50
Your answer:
7:22
